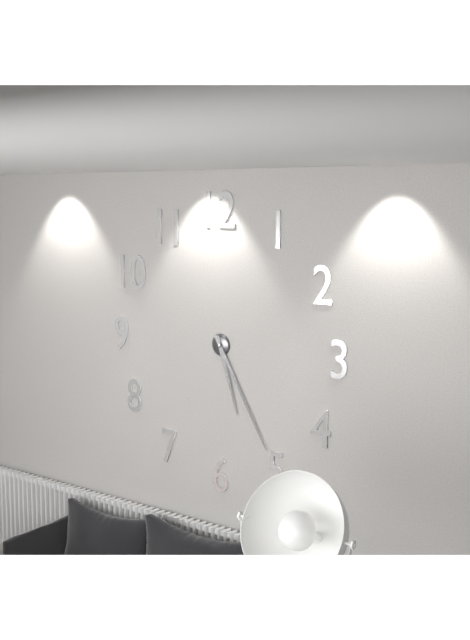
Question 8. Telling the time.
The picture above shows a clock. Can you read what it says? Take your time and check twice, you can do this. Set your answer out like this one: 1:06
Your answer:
5:25
